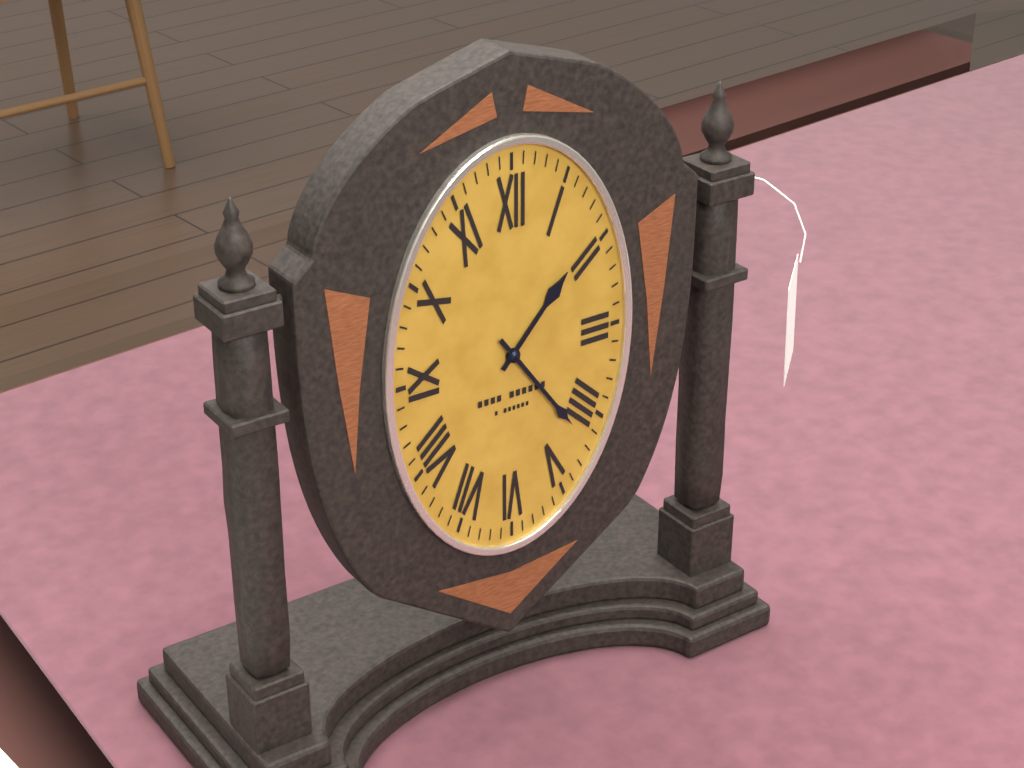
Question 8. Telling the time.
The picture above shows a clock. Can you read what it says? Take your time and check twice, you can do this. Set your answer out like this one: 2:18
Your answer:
1:24
